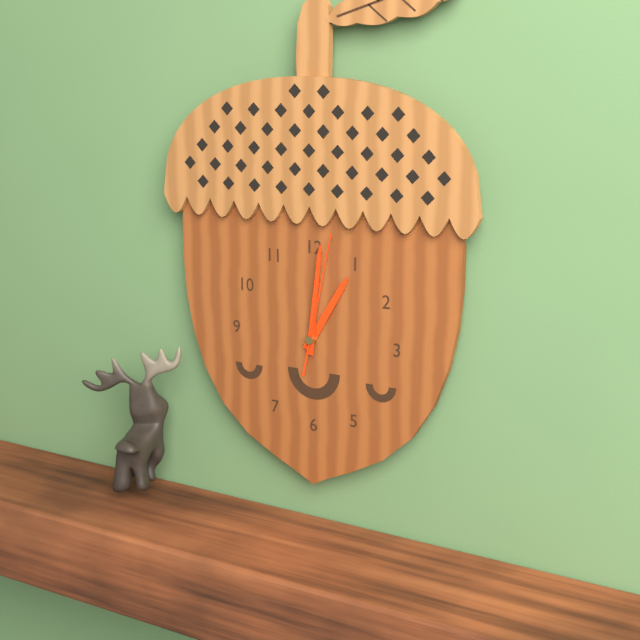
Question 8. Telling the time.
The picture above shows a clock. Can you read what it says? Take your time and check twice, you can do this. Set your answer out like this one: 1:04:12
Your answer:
1:01:02
